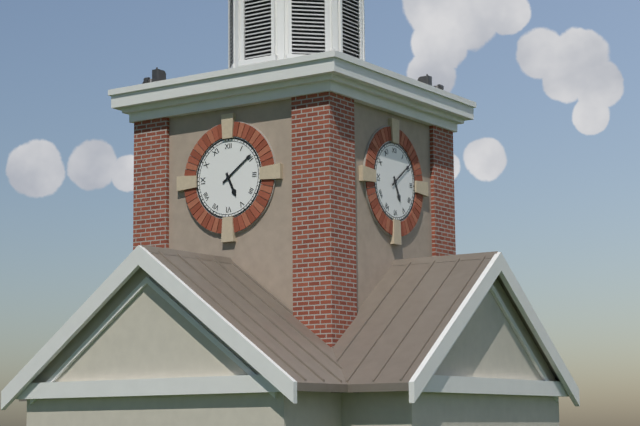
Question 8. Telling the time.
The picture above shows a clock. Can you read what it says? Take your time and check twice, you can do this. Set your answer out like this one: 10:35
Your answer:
5:09
